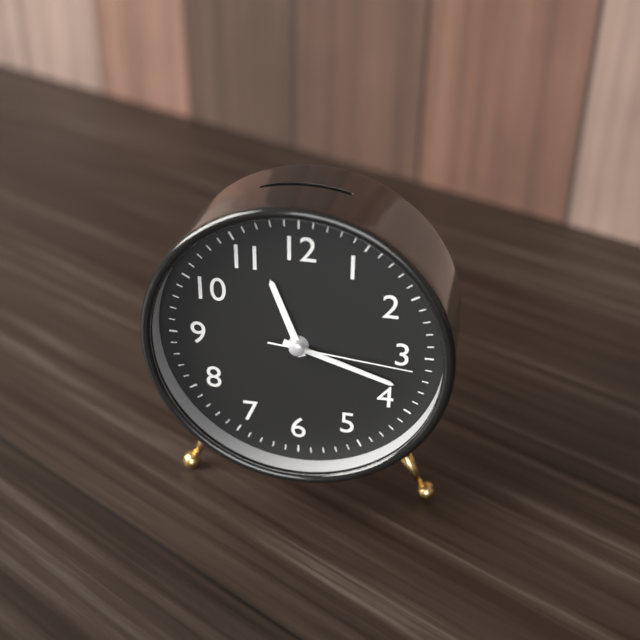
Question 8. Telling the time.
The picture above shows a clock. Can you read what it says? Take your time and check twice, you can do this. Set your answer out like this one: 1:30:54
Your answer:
11:18:16
